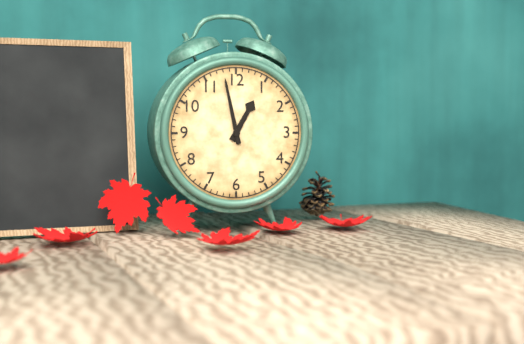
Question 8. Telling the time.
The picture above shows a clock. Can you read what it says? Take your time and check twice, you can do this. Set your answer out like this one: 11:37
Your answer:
12:58
